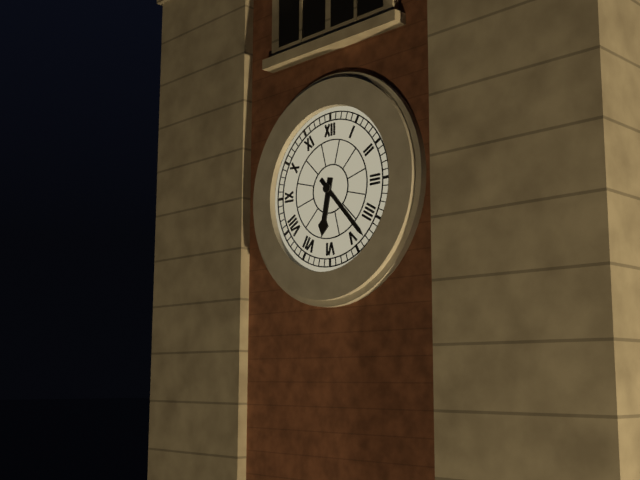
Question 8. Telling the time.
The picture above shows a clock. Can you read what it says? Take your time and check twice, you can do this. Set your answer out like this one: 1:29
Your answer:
6:23
